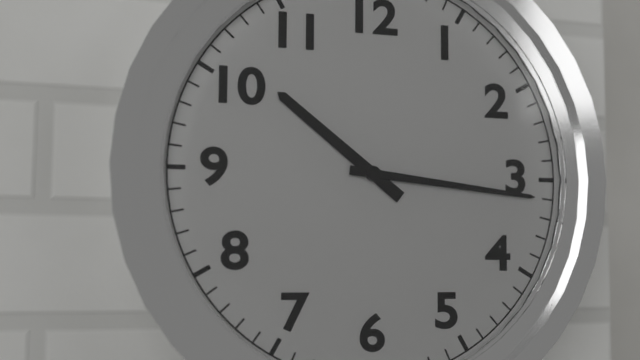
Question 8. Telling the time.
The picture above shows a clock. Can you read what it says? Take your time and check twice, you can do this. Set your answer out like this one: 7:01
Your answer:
10:16
